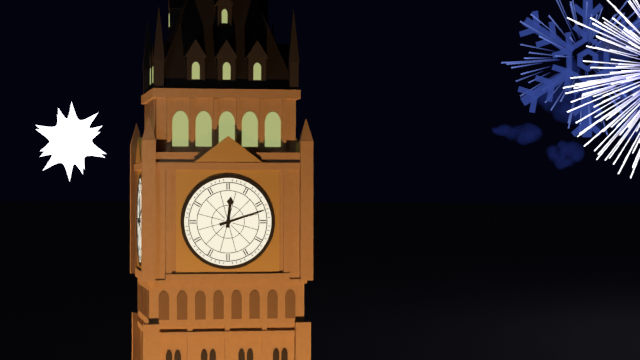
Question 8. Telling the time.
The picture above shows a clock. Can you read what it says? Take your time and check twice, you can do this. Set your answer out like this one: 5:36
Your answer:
12:12
